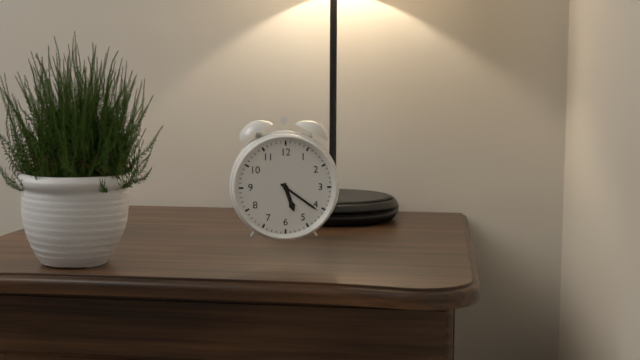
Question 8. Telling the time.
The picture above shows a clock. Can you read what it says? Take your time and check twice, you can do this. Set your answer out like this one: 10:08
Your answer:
5:21
